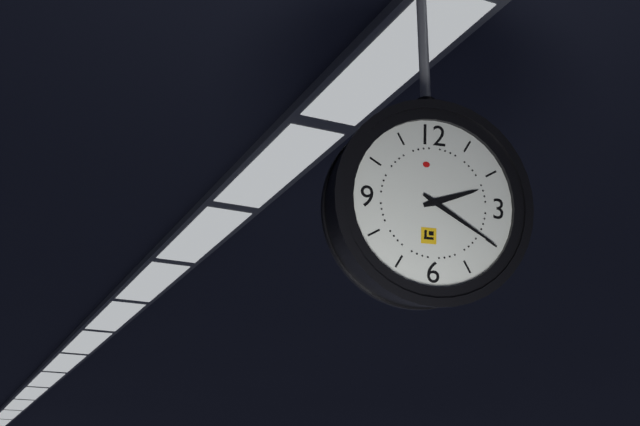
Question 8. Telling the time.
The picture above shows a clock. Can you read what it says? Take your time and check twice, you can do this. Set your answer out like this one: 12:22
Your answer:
2:20
